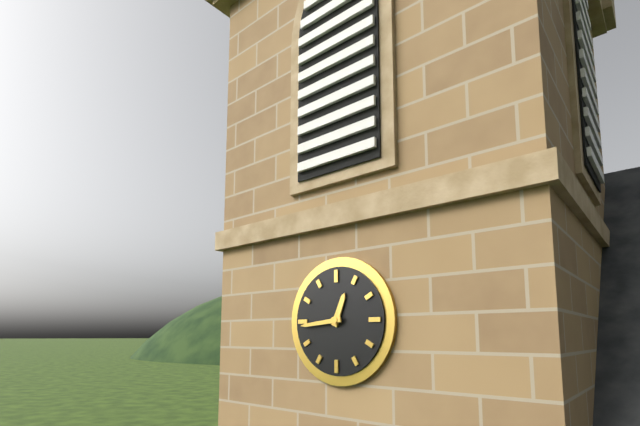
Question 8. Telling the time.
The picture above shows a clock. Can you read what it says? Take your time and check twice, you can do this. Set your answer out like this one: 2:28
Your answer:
12:44
